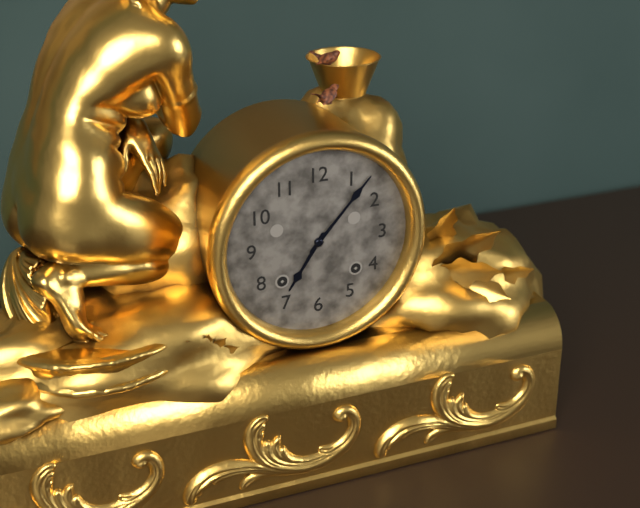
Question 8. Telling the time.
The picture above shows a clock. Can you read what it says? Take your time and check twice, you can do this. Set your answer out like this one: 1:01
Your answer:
7:07
